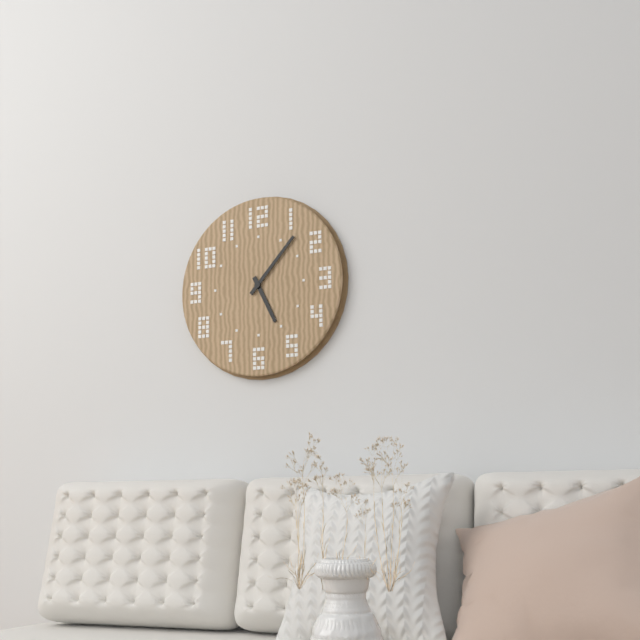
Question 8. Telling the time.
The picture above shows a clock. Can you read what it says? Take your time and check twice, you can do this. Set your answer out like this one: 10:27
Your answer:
5:07
